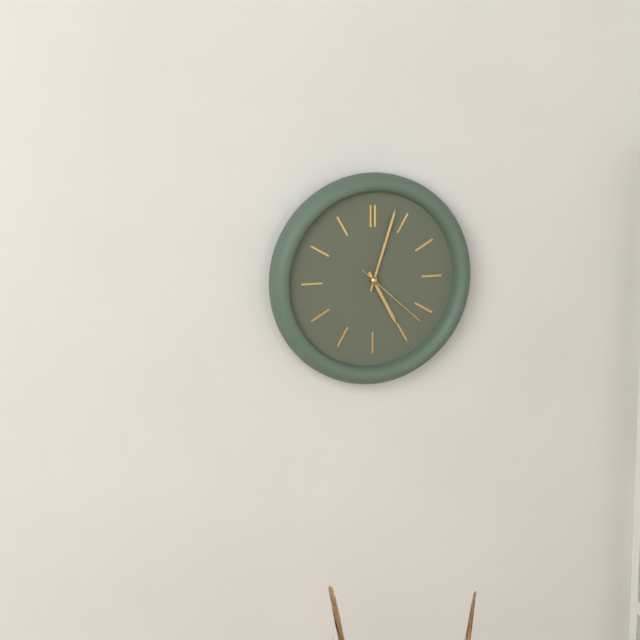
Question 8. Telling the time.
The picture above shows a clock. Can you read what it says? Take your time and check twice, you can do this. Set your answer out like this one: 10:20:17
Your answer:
5:03:22
